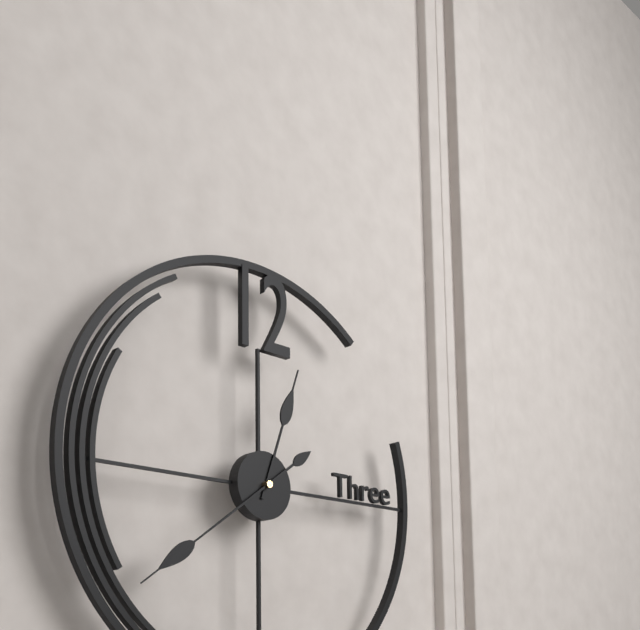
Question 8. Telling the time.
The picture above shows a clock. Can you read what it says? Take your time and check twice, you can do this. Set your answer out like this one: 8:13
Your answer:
12:39
